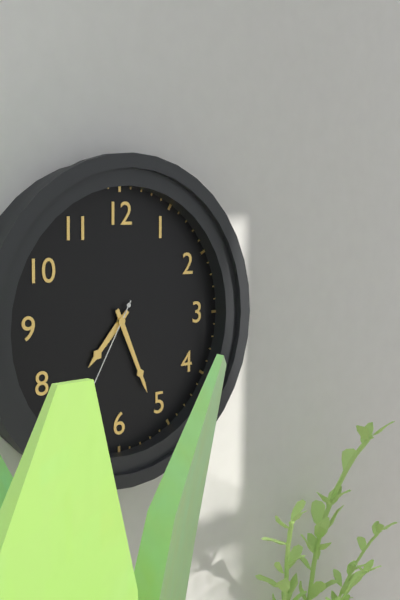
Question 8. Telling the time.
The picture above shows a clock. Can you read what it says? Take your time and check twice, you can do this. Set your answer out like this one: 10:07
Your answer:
7:26
